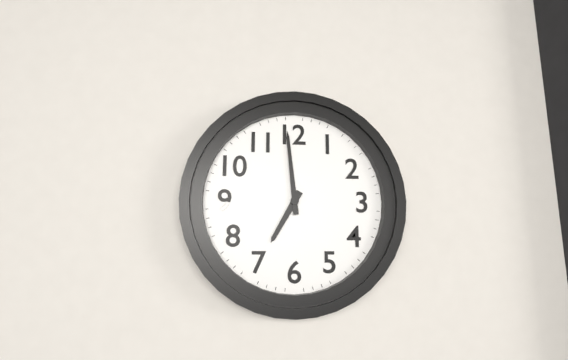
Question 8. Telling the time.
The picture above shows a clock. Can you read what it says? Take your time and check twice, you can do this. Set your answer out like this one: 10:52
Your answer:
6:59
